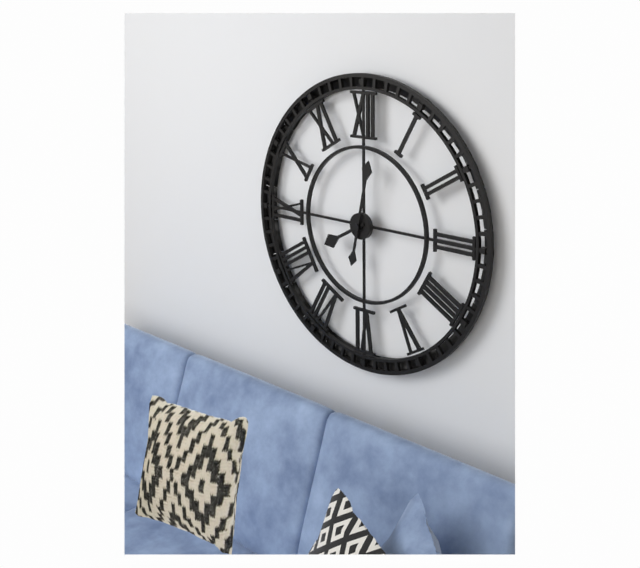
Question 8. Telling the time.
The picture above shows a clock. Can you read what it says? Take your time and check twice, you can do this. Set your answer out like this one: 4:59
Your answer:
8:02
